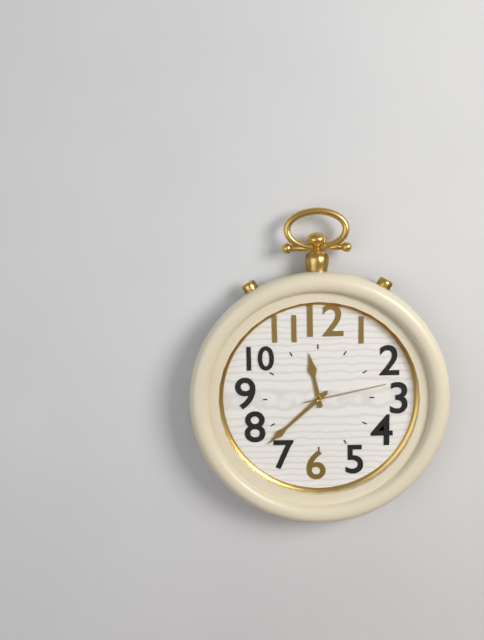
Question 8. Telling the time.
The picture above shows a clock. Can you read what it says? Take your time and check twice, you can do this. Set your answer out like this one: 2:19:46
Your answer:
11:38:13
